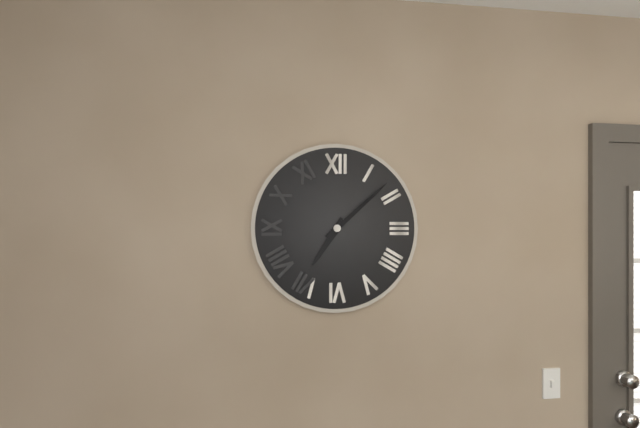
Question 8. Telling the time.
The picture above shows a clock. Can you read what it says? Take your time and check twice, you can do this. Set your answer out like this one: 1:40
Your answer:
7:08
